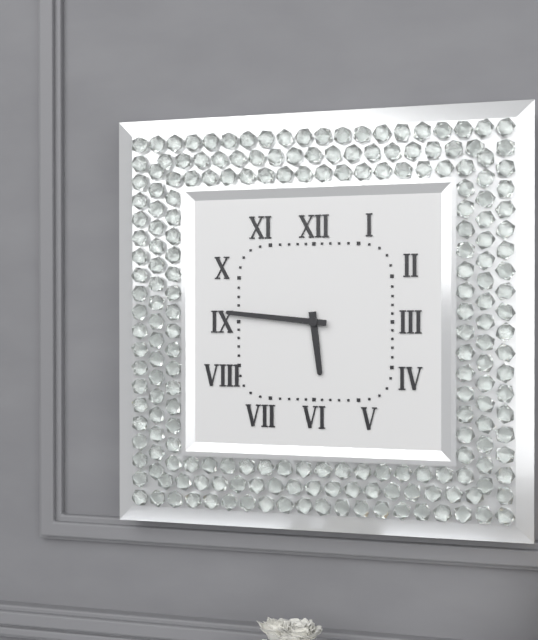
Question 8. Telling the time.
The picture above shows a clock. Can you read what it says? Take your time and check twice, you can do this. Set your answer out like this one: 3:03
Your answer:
5:46
